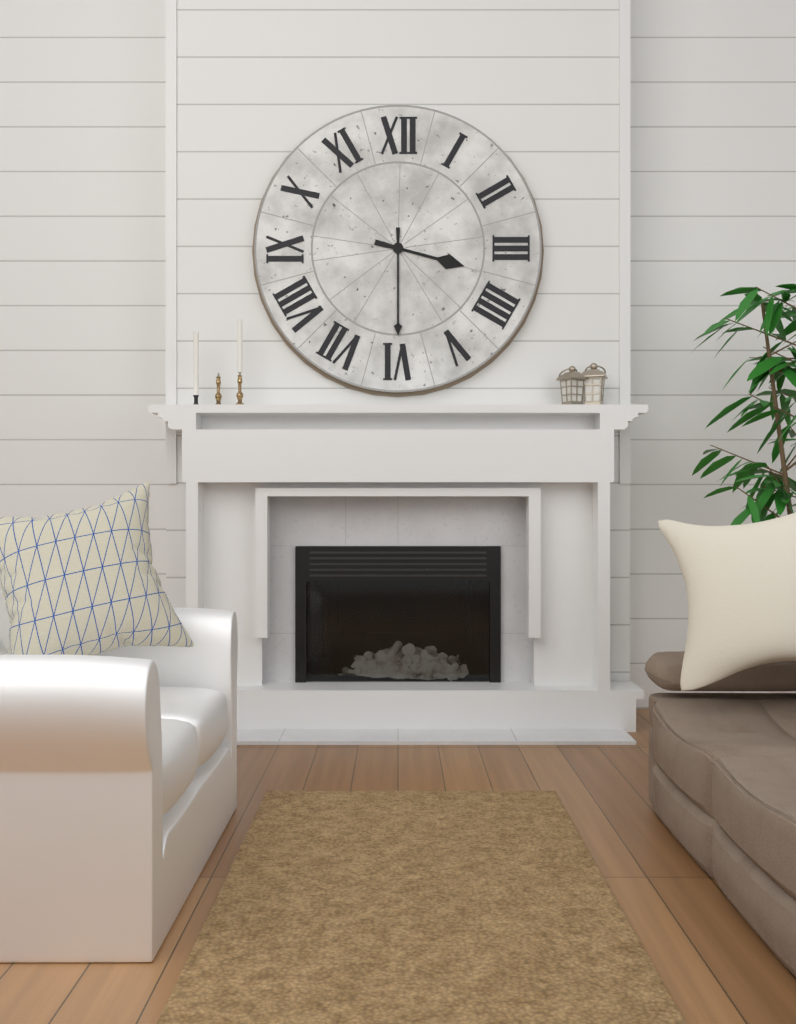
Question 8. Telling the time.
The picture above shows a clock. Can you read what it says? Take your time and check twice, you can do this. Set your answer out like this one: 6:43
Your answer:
3:30
